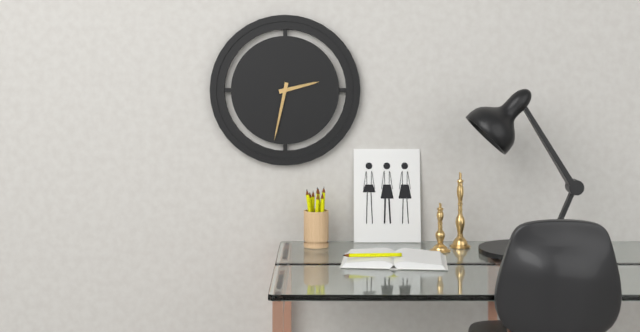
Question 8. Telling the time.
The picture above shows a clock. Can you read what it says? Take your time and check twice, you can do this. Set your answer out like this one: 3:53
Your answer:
2:32
